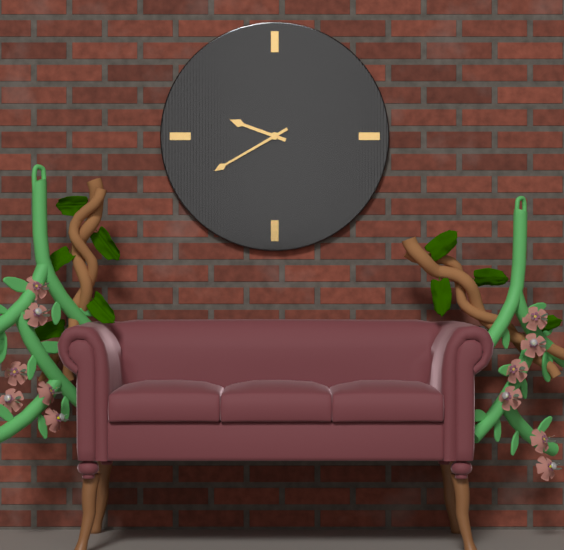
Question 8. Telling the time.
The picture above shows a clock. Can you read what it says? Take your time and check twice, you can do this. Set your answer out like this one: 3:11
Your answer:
9:40
